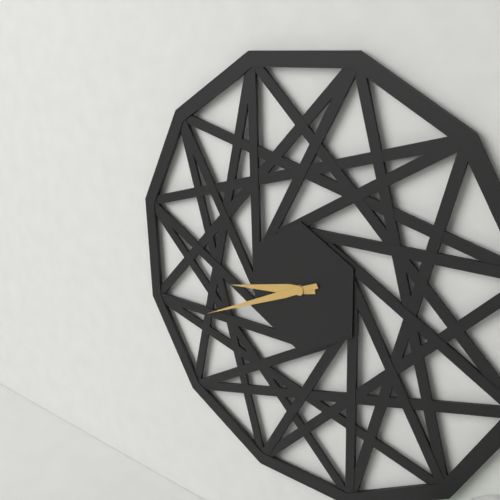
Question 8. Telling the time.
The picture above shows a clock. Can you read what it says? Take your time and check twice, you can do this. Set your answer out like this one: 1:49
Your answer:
8:41
